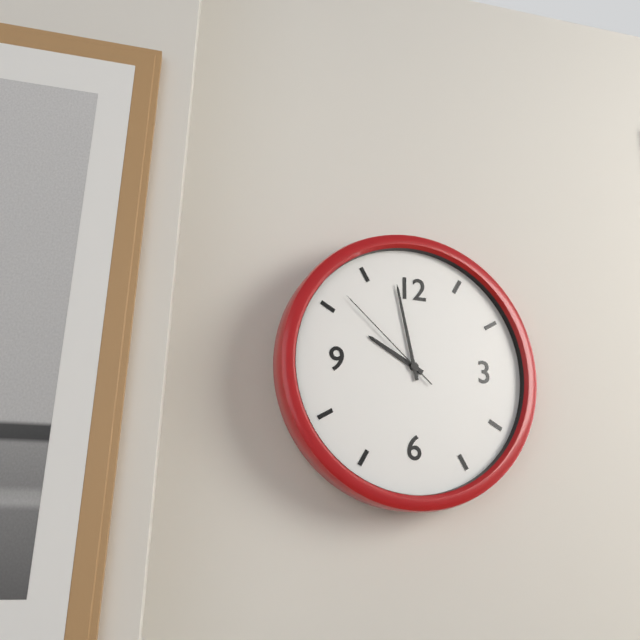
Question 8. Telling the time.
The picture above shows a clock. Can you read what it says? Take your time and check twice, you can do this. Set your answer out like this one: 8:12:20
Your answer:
9:58:52
